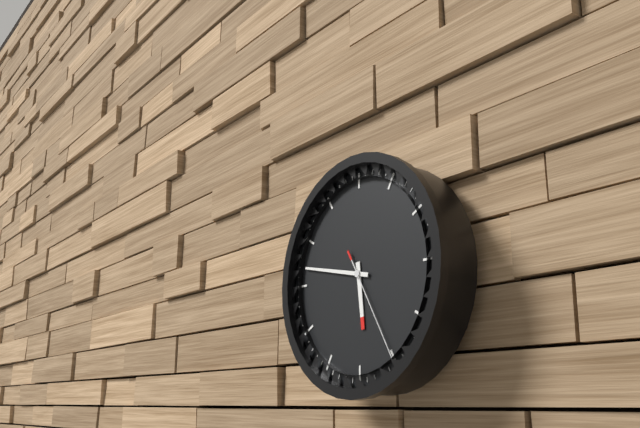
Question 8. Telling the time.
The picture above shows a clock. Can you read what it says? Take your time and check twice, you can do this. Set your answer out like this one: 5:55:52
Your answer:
5:47:25
